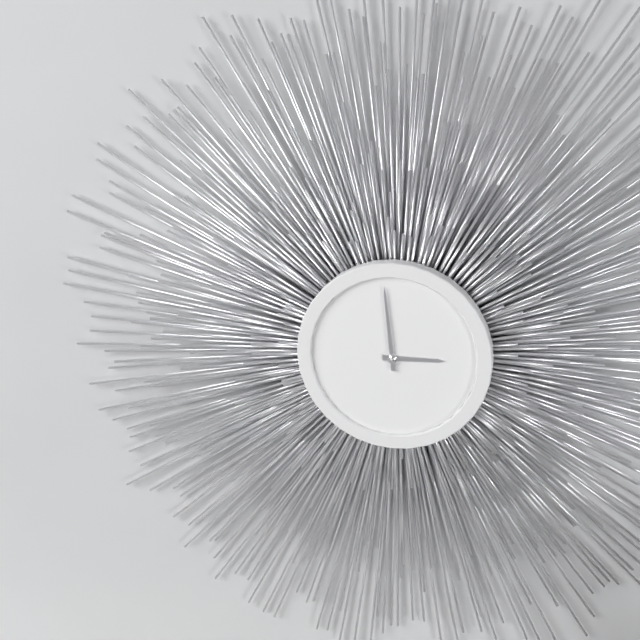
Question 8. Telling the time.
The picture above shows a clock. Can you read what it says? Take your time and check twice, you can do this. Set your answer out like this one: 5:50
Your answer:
2:59
